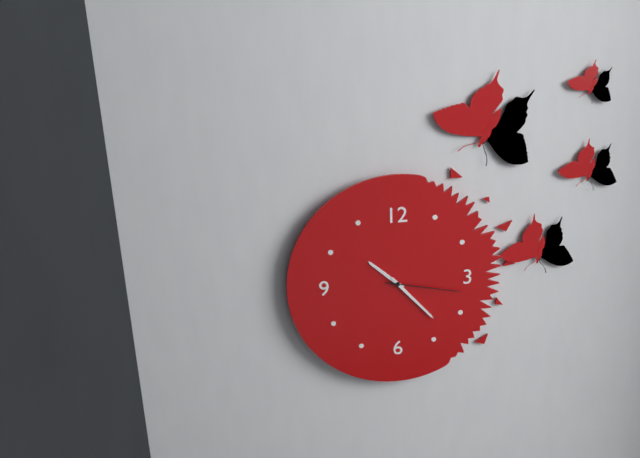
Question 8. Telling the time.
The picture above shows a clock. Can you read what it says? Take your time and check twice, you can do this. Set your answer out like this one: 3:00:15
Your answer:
10:23:17
